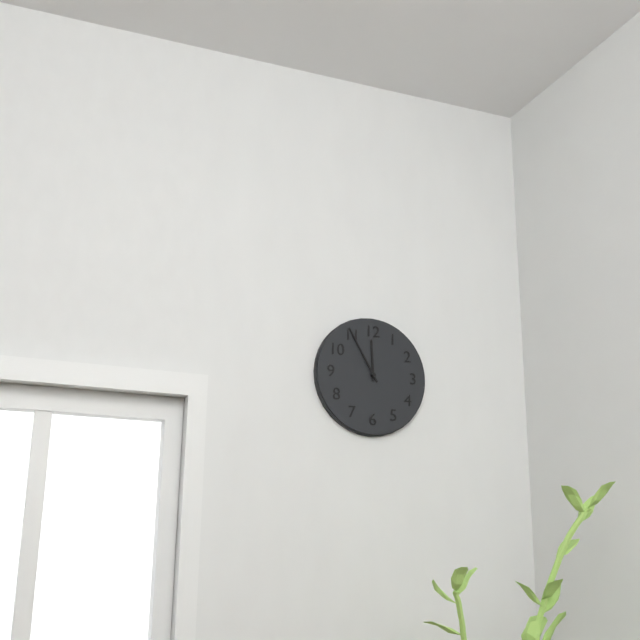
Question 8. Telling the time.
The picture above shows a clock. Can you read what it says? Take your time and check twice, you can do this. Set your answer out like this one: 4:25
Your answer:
11:55
